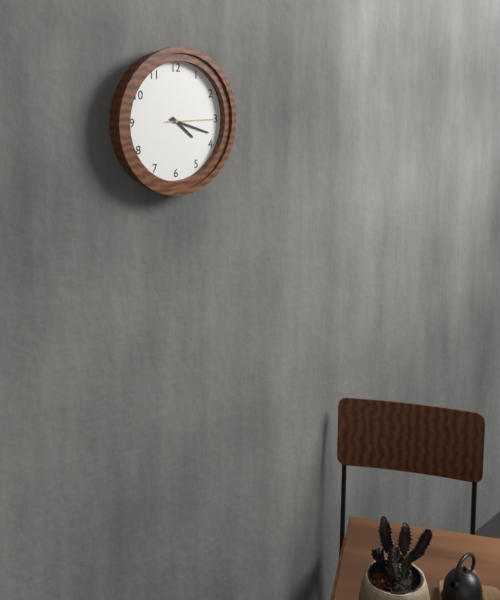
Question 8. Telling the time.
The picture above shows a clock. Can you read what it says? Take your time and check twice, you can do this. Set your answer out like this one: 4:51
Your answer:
4:18
